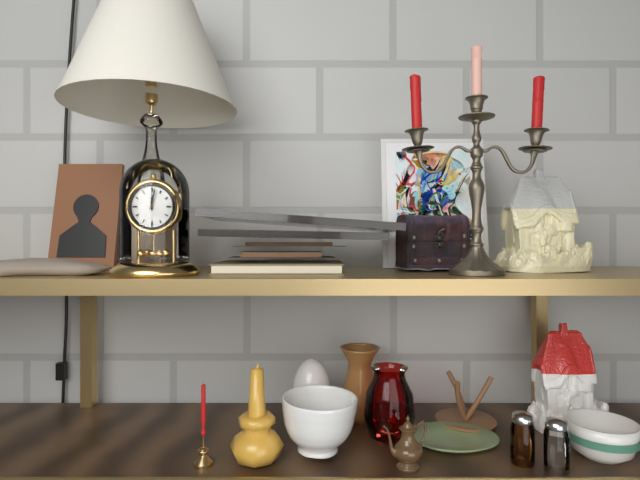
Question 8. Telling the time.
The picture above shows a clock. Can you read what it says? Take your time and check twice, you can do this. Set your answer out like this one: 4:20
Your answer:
12:02
